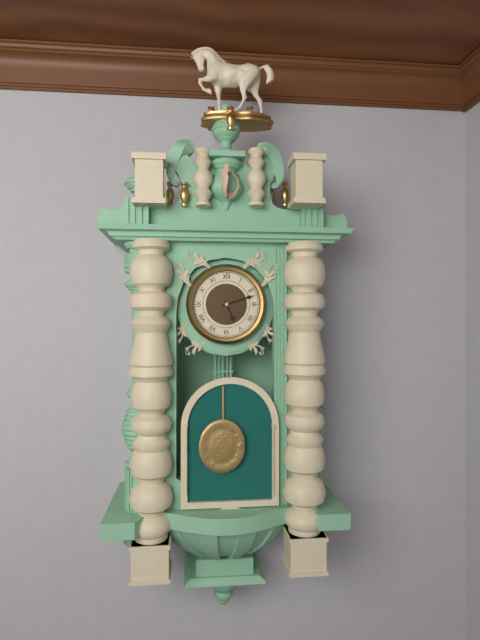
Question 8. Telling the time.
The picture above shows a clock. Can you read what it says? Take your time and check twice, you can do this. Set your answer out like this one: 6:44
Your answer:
5:12
